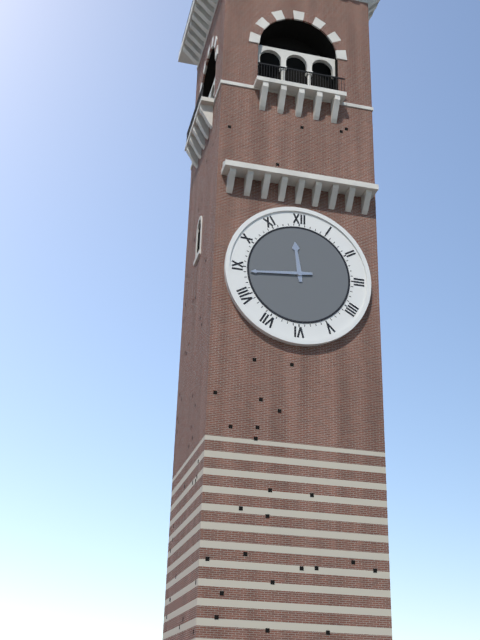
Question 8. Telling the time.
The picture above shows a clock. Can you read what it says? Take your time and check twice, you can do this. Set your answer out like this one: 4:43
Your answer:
11:44
